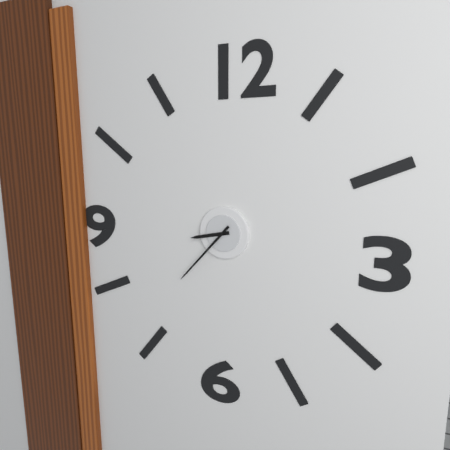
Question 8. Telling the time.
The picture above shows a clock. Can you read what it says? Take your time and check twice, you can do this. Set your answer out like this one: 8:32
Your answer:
8:37
